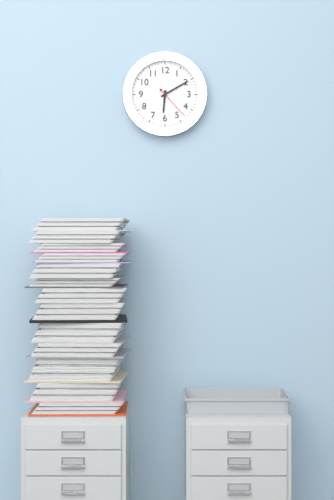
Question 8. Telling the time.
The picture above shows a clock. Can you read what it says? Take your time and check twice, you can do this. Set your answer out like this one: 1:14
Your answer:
6:10
